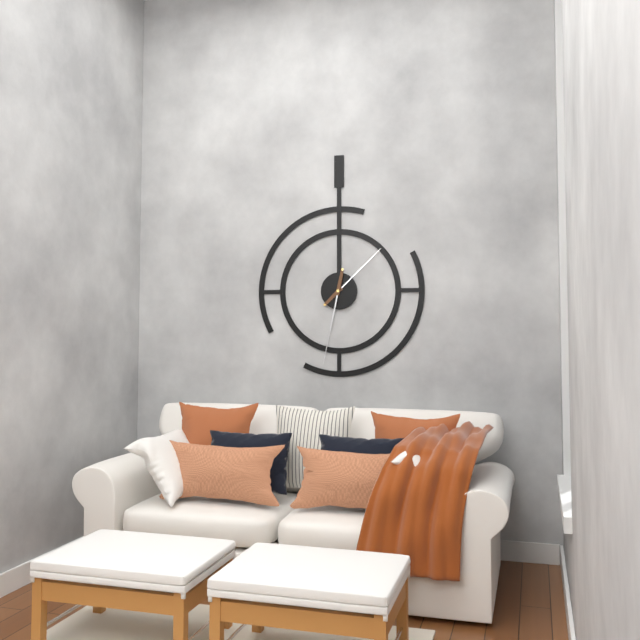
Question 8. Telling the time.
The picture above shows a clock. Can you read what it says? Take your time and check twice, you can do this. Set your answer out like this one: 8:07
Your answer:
1:32
